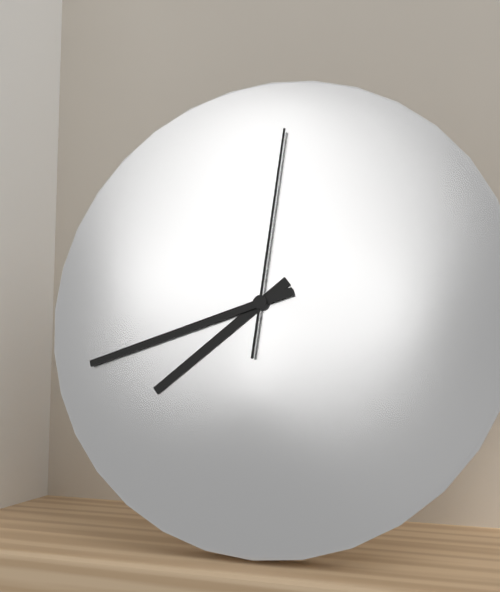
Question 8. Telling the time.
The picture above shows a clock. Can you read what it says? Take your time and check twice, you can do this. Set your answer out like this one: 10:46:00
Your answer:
7:42:01
